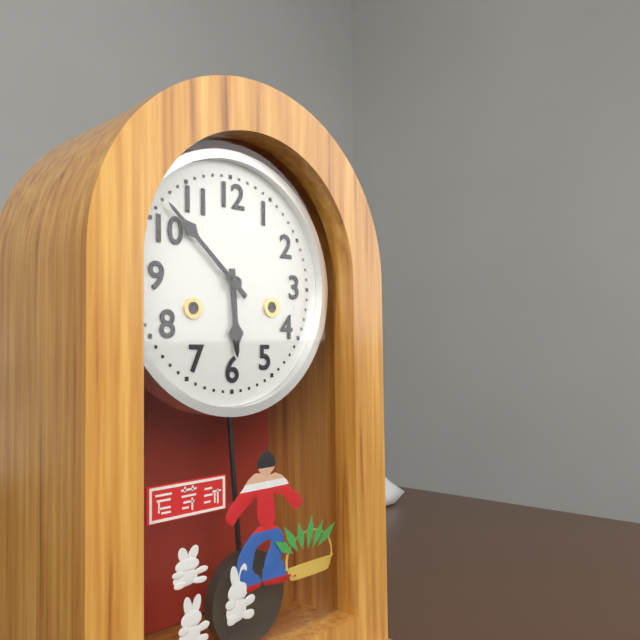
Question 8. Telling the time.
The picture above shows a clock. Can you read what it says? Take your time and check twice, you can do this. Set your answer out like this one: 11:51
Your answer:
5:52
